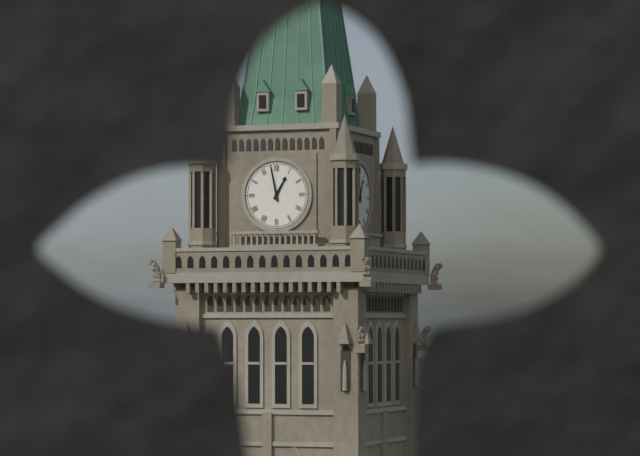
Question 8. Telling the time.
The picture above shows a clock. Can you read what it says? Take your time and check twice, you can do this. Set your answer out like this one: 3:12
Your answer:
12:58
